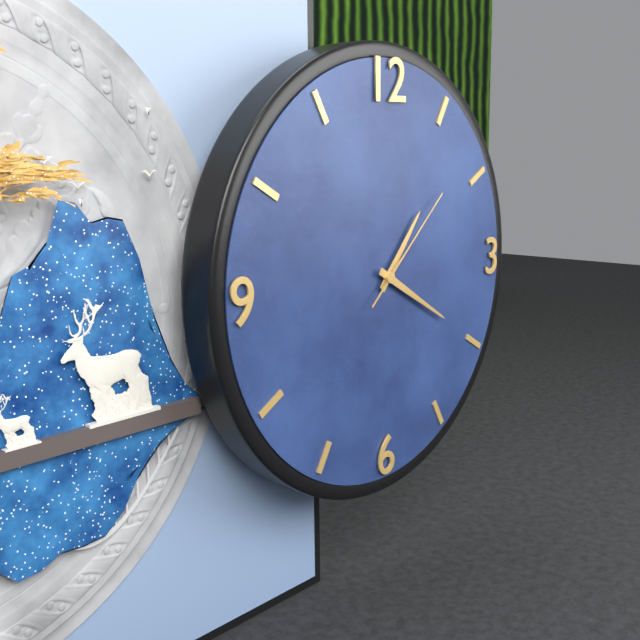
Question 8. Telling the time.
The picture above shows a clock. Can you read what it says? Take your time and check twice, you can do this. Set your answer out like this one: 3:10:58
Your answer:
1:20:08
